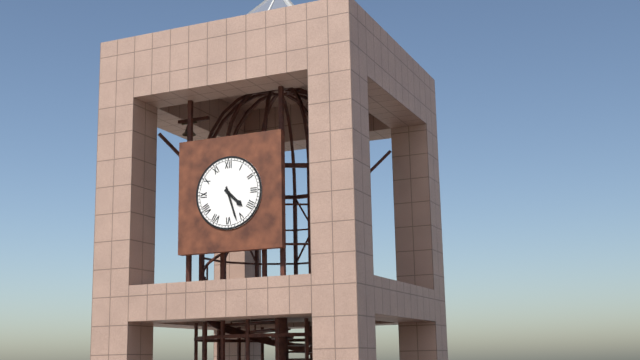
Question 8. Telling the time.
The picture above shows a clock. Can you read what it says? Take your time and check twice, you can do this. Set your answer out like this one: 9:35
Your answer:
4:27
